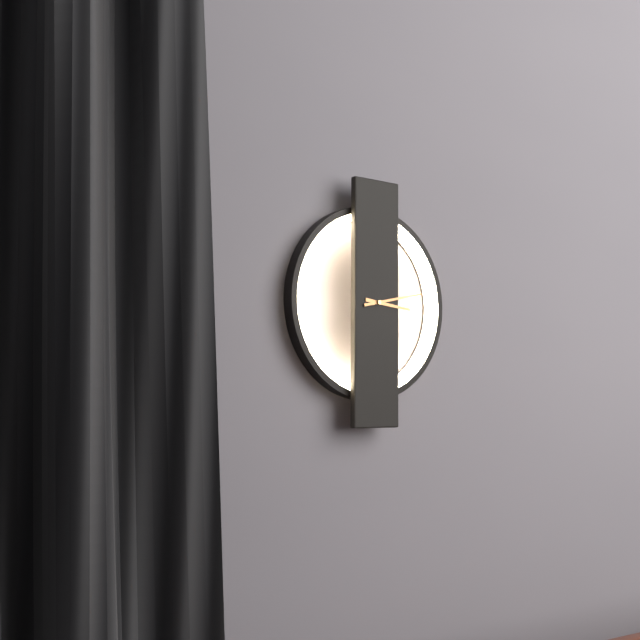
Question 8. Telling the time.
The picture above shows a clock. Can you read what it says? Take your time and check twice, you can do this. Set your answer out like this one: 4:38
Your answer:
3:13
